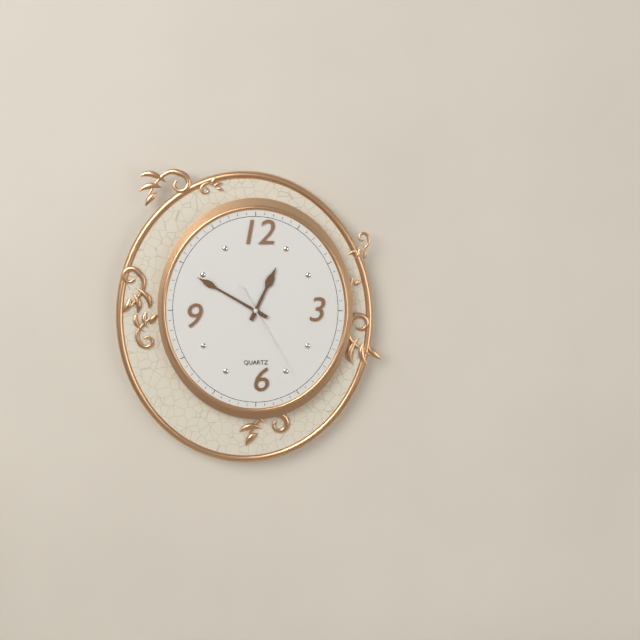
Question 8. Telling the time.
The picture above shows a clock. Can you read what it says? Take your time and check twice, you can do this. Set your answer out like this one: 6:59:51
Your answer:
12:50:25
